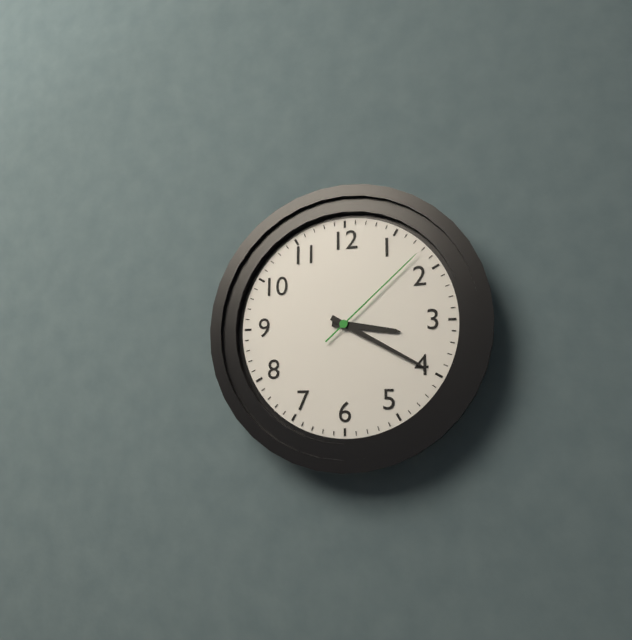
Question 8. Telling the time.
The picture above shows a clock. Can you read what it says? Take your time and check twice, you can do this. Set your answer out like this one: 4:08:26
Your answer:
3:20:08
